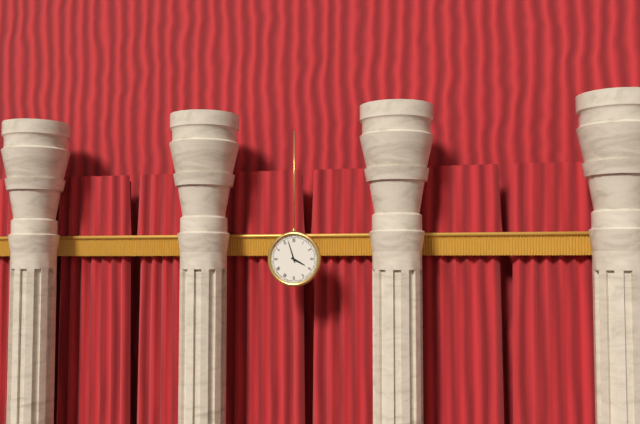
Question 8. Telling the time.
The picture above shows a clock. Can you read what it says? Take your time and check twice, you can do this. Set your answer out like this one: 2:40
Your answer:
3:57
